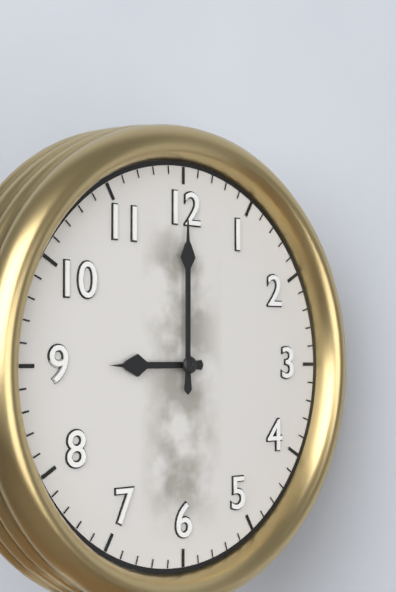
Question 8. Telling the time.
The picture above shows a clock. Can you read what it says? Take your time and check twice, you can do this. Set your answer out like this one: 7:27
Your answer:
9:00
